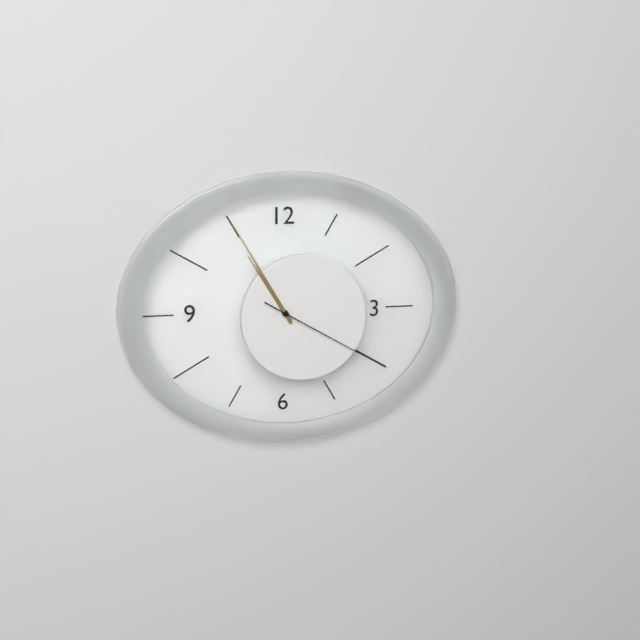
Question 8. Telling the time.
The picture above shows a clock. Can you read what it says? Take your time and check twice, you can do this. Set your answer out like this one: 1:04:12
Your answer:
10:55:20
